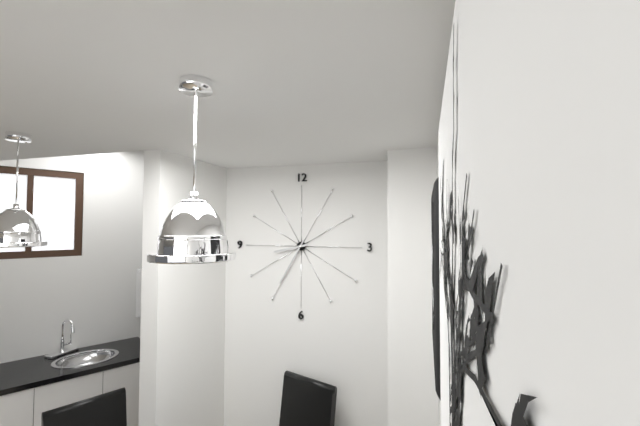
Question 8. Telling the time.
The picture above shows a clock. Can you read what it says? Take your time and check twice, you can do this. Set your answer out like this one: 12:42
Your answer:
8:35
